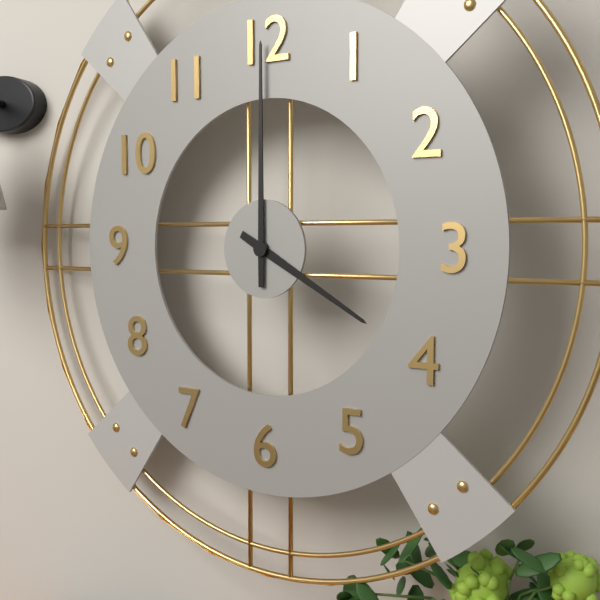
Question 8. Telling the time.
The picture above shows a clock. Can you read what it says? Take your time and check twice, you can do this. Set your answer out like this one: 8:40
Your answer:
4:00
